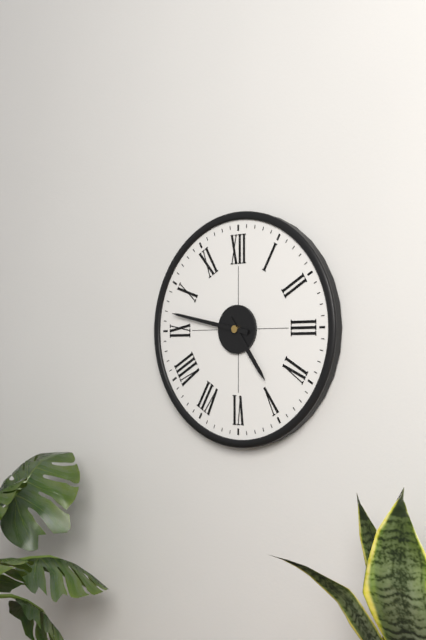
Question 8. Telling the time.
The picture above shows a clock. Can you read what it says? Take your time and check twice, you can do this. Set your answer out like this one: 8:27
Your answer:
4:47
